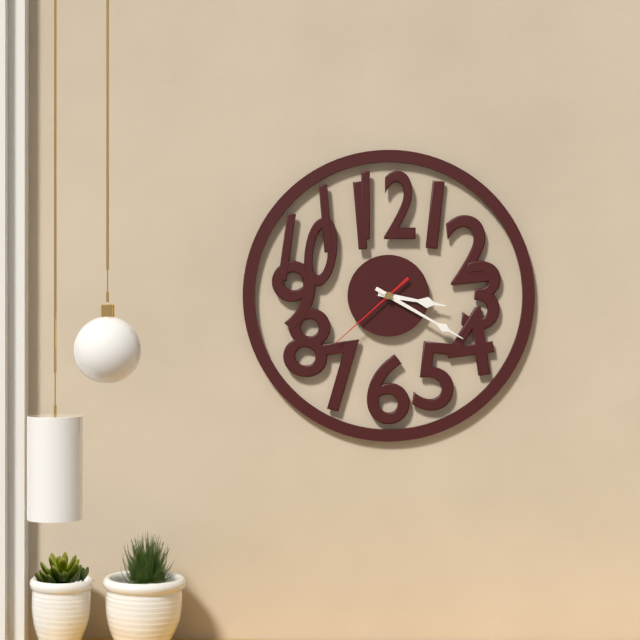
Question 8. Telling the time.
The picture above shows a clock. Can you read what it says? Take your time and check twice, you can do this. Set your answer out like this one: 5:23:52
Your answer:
3:20:38
